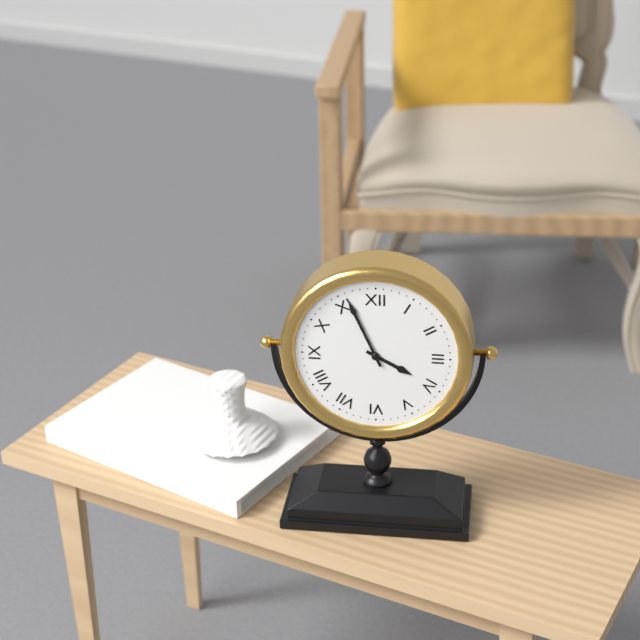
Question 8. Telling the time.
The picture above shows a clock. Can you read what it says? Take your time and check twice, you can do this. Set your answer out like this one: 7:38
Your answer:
3:56
